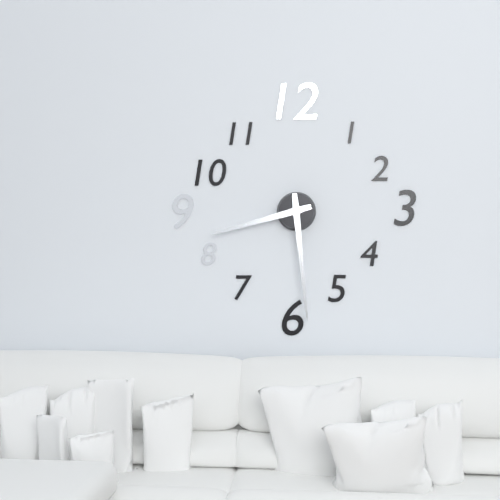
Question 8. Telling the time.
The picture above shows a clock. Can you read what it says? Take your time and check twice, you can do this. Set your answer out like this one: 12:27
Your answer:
8:29
